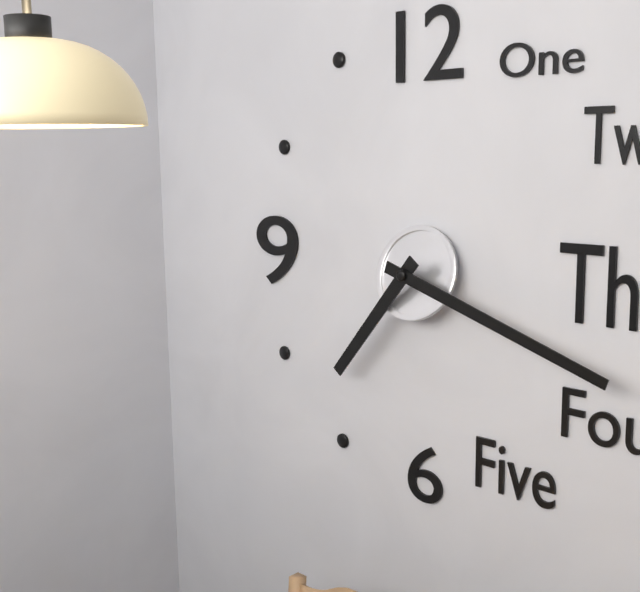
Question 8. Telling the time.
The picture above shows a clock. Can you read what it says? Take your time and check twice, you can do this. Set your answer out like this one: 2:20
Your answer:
7:18
